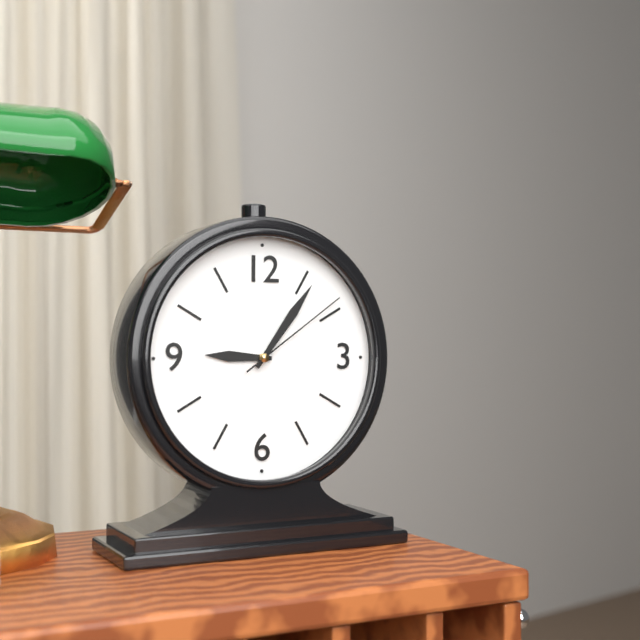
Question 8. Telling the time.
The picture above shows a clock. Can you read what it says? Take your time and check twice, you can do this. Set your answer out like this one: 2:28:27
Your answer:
9:06:09
